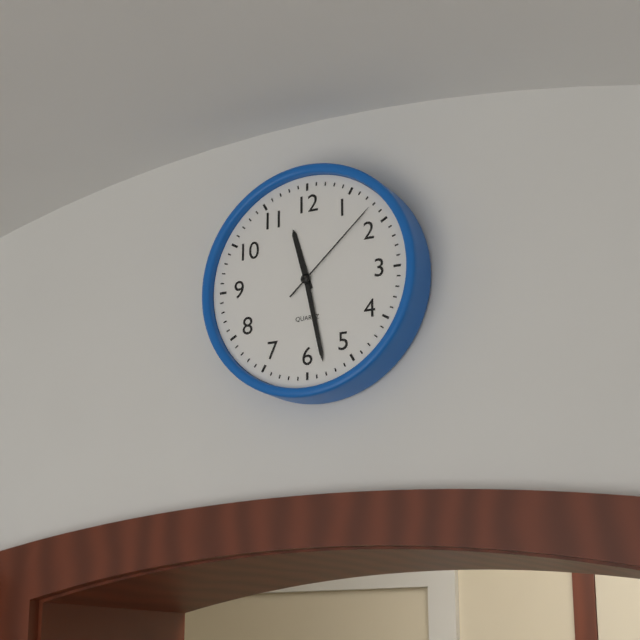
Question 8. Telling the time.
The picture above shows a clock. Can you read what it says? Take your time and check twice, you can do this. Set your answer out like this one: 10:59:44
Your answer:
11:28:08
